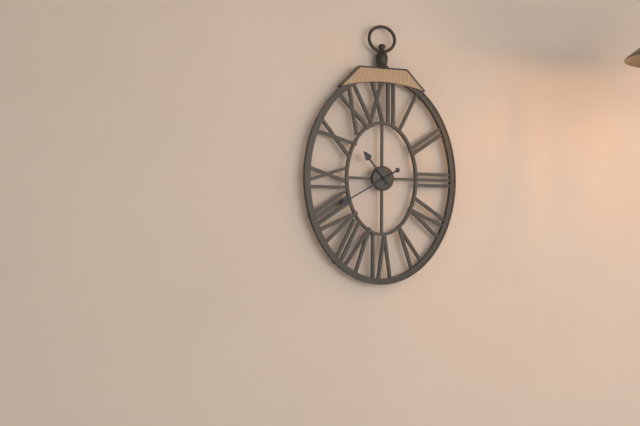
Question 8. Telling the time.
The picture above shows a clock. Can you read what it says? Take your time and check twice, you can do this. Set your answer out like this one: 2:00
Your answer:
10:40
